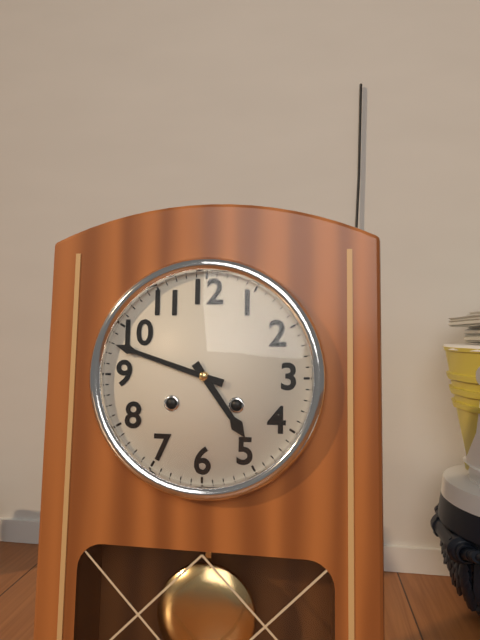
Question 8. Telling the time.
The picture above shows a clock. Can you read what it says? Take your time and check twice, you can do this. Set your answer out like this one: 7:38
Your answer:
4:48
